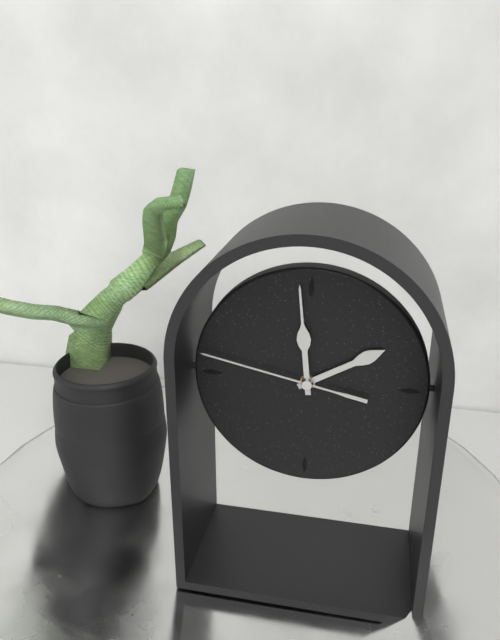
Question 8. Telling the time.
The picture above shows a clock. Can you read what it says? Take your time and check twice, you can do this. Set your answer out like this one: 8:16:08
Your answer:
1:59:47
